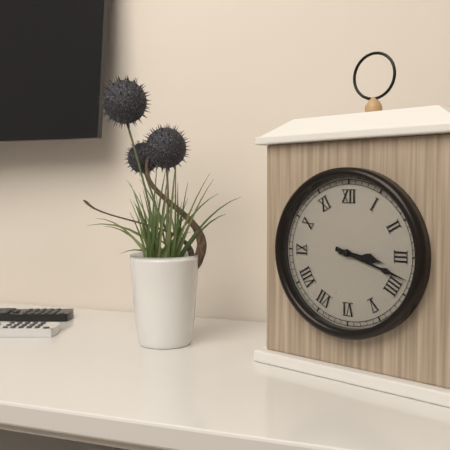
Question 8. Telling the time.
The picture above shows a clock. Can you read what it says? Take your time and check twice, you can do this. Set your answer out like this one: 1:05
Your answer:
3:18
